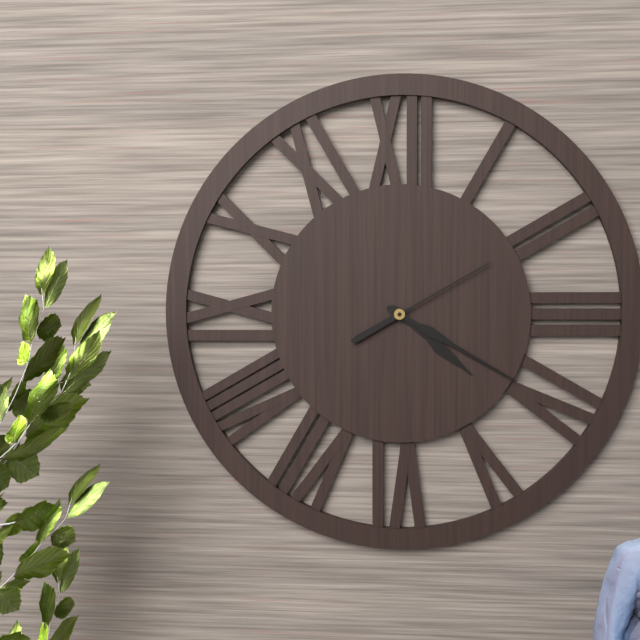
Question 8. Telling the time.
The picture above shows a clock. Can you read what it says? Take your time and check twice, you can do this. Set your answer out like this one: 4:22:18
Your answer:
4:20:10
